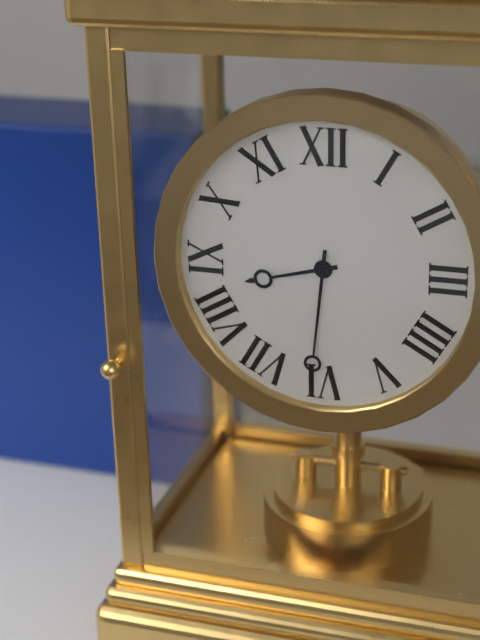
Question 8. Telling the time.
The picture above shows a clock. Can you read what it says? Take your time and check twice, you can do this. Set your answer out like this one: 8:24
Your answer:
8:31
